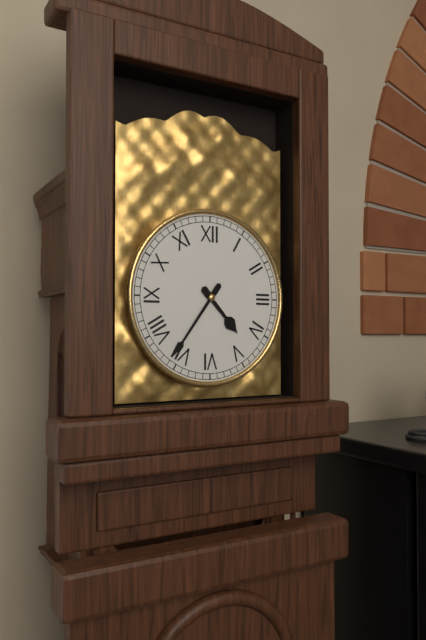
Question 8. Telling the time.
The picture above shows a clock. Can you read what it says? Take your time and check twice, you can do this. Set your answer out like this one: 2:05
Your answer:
4:36
